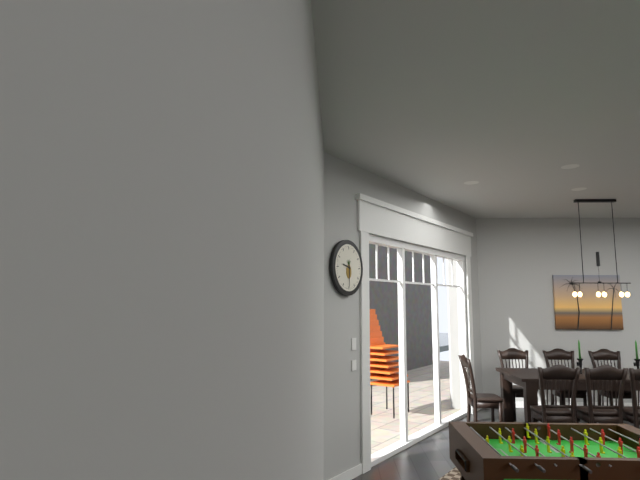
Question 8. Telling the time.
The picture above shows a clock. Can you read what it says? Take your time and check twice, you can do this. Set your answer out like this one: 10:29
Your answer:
9:30
